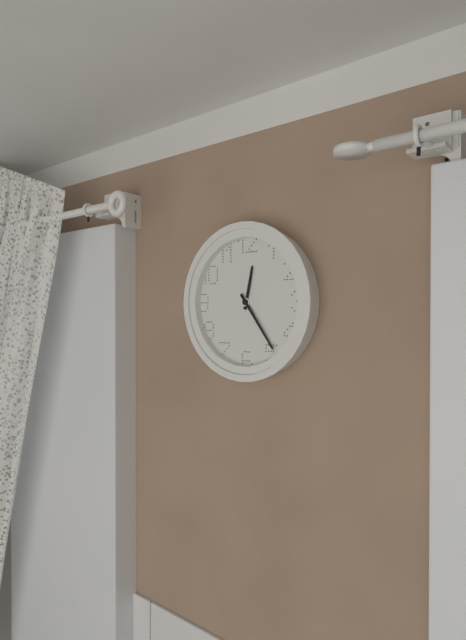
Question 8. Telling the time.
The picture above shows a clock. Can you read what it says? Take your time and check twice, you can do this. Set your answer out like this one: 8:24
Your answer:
12:24
